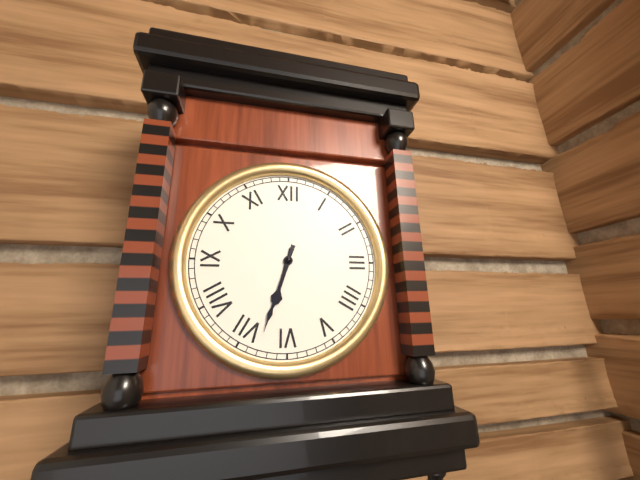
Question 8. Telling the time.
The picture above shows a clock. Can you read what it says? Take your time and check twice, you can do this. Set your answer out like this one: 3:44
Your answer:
6:33
